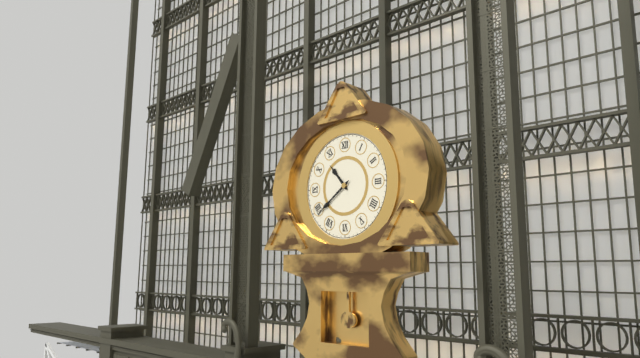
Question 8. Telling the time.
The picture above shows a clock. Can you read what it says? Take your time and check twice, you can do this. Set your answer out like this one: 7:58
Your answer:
10:39
